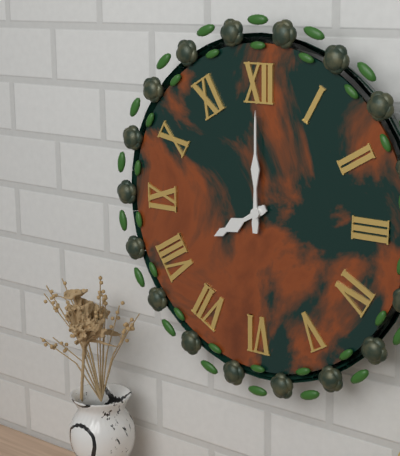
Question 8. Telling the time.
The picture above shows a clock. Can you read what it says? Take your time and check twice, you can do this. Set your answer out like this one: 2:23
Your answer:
8:00
